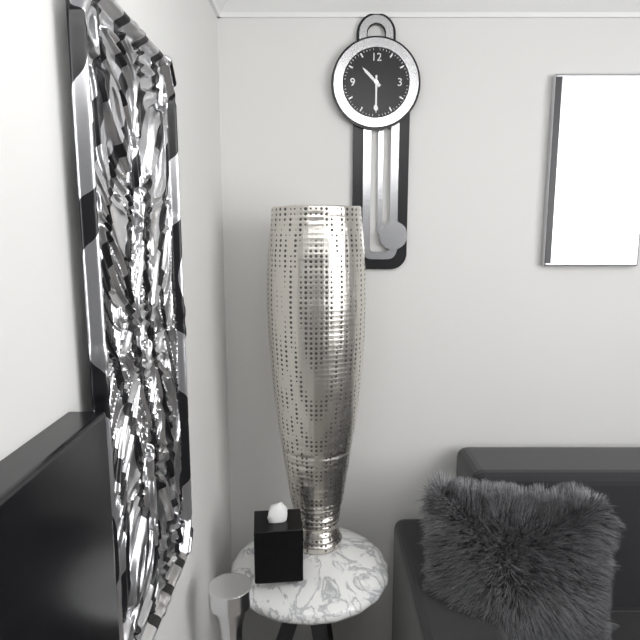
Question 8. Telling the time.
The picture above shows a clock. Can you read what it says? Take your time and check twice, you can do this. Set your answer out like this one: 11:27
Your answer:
10:30
